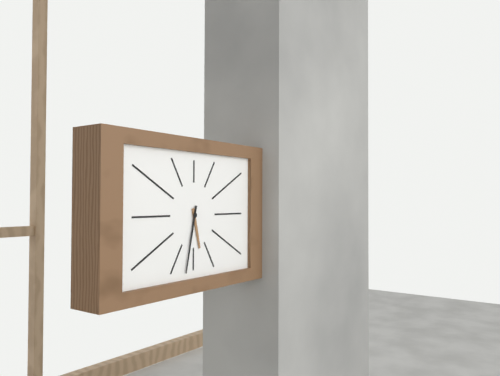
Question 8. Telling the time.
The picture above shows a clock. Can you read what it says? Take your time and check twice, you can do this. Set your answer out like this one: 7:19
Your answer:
5:32
